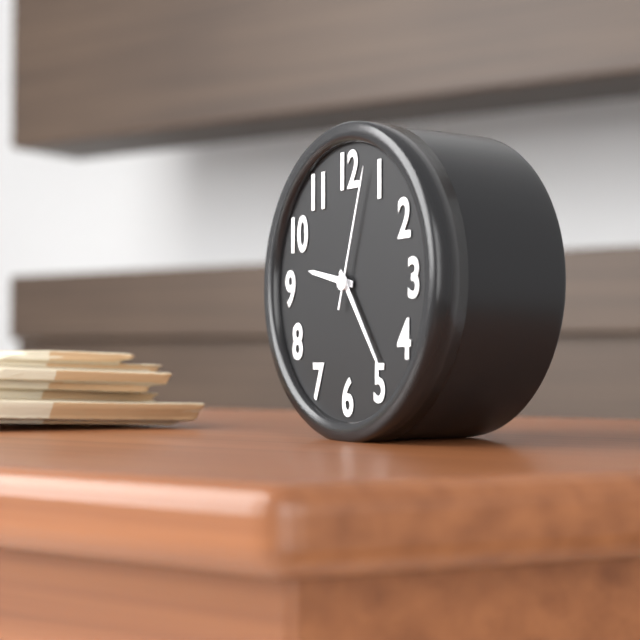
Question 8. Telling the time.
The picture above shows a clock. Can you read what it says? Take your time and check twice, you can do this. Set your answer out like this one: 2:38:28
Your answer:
9:24:03
